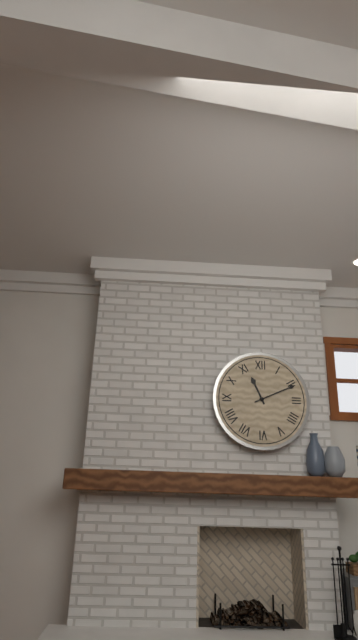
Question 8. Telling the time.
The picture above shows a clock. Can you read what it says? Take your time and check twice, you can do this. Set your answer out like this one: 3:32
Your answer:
11:11
